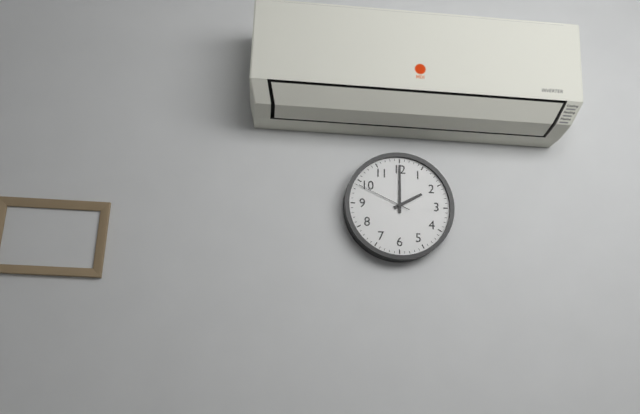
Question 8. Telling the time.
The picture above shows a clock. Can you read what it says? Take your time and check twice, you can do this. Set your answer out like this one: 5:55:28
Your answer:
2:00:49
